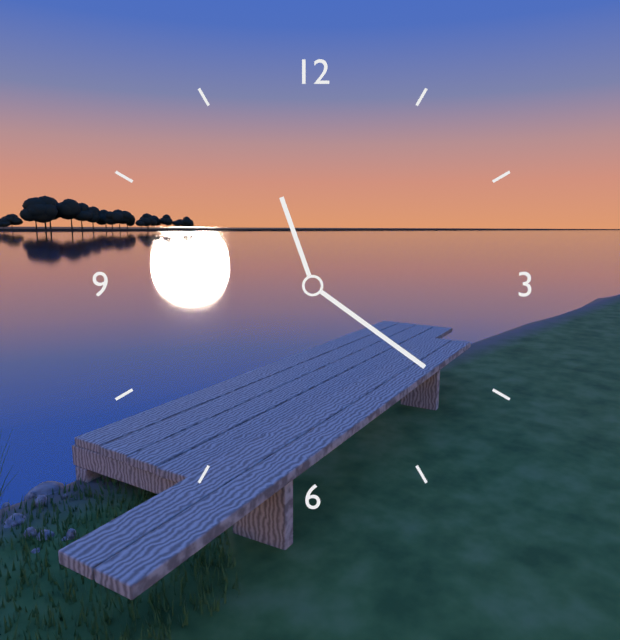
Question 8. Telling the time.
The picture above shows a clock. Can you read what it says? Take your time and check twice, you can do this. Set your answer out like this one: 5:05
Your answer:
11:21
